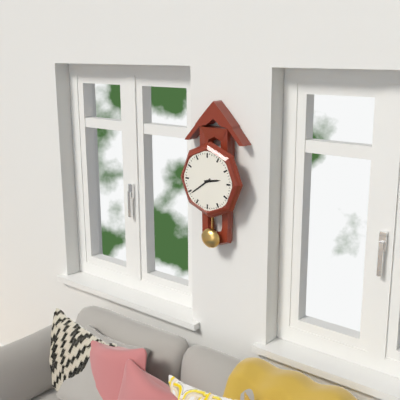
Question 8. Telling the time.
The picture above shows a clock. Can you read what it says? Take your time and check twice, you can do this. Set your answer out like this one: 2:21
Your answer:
2:39
